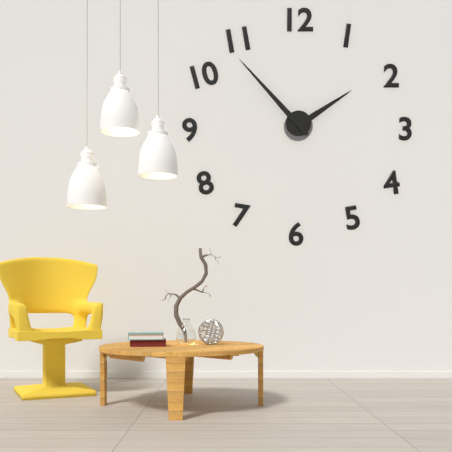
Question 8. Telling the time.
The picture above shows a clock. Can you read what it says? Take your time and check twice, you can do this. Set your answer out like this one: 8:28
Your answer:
1:53
